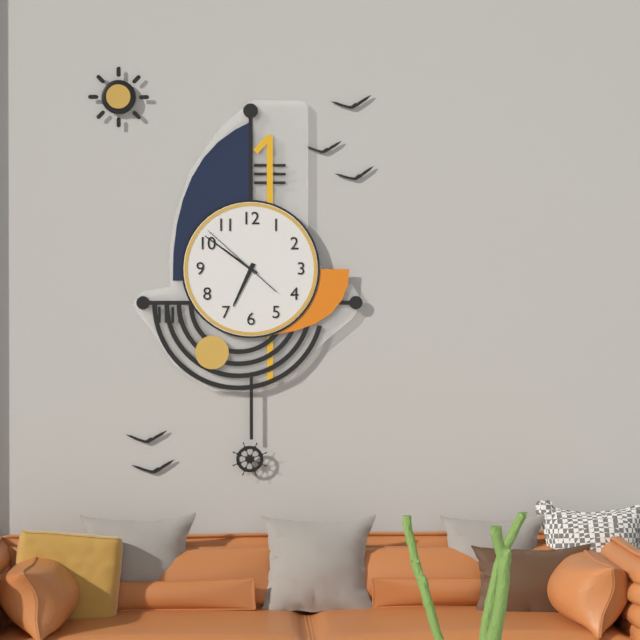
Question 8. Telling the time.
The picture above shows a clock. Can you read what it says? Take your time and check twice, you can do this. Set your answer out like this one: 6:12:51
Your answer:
6:51:52
